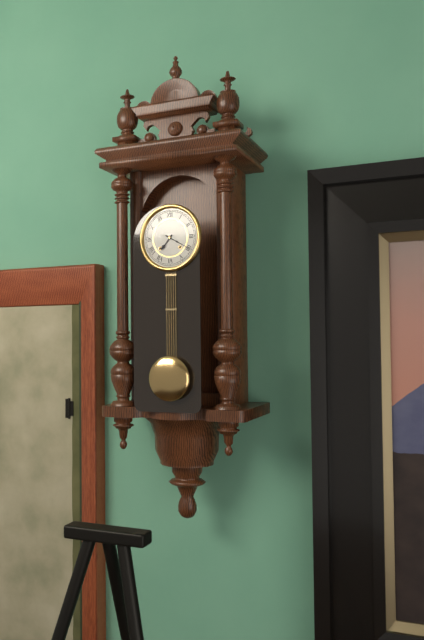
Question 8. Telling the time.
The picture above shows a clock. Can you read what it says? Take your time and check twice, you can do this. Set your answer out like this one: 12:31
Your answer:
7:20
